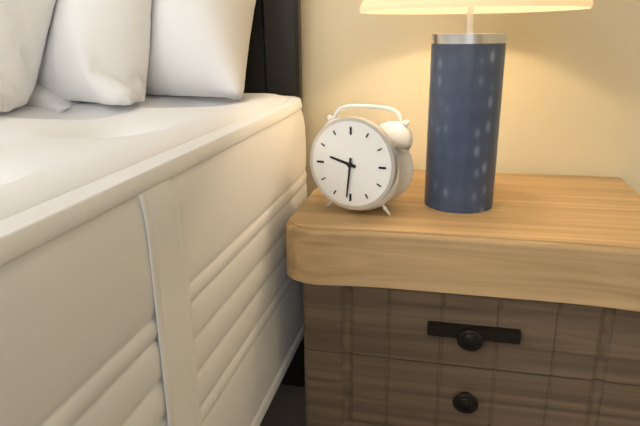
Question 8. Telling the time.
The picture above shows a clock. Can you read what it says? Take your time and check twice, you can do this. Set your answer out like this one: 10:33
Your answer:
9:31
